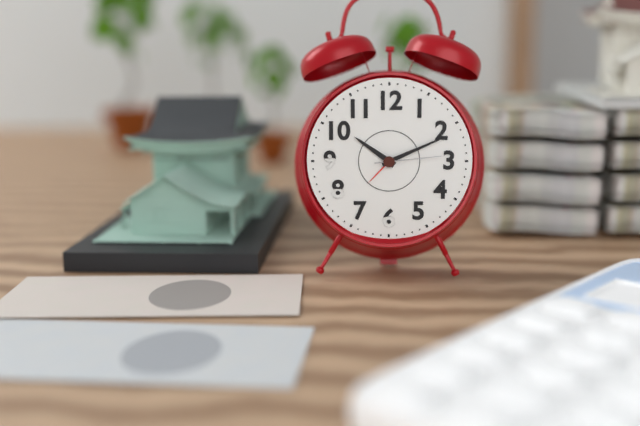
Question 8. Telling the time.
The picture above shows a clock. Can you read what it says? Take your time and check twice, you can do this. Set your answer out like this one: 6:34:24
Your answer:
10:11:14
